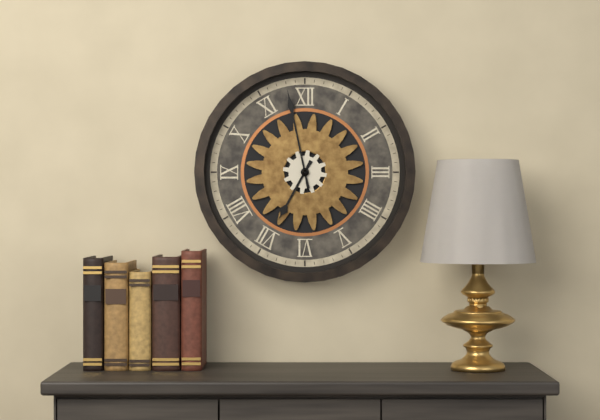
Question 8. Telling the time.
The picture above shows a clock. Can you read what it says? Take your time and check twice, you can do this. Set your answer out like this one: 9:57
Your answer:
6:58
